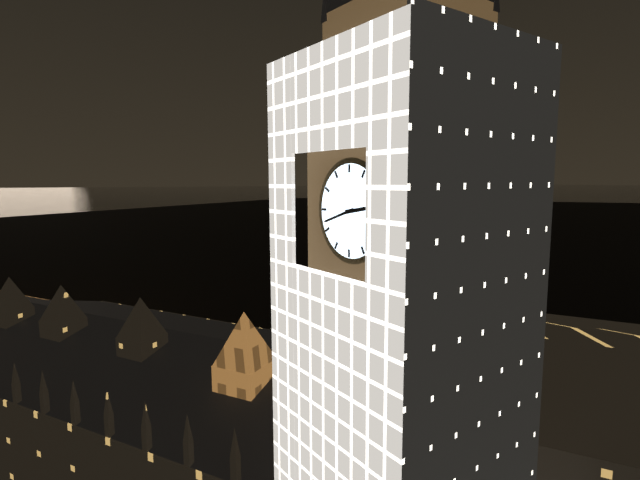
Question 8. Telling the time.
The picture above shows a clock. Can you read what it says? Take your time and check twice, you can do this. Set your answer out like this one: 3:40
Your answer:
2:42
